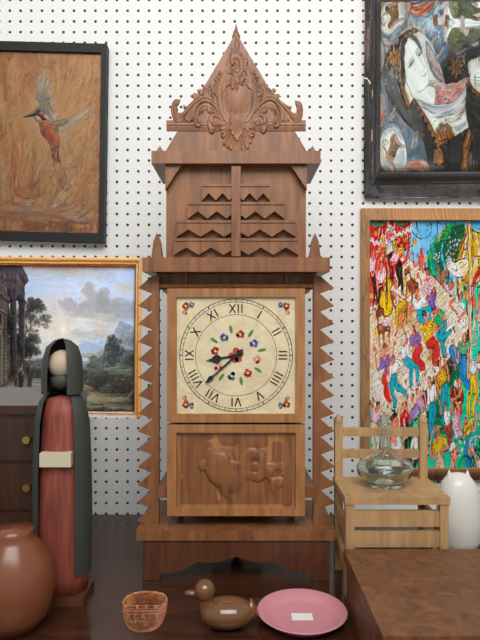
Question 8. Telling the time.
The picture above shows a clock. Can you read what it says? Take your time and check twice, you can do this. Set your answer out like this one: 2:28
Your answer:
8:38
